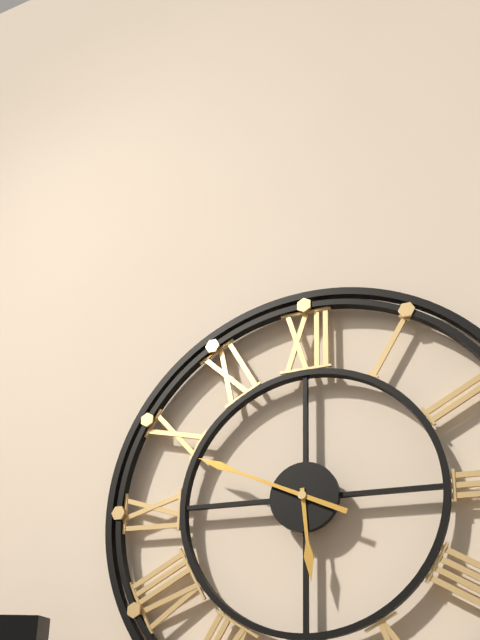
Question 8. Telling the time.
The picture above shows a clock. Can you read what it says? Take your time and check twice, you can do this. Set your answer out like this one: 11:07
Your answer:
5:49
